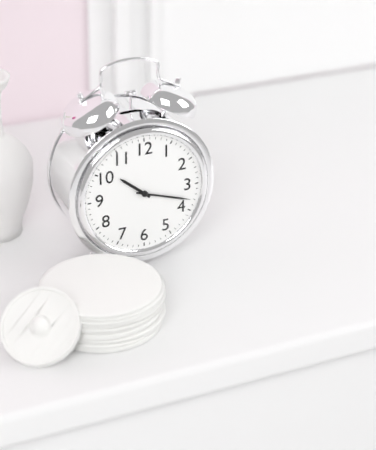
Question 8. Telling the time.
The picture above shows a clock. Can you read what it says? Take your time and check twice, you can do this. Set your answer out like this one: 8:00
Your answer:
10:18
